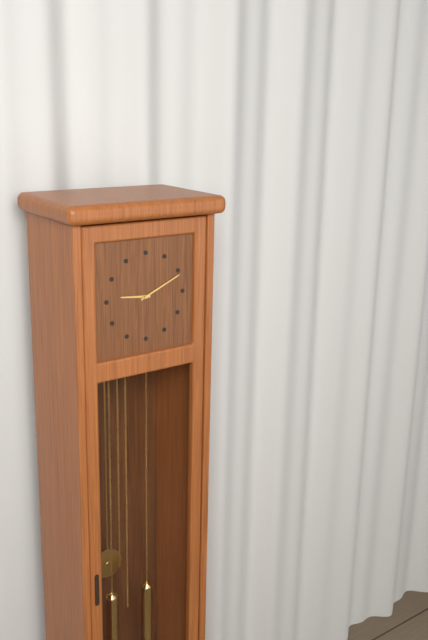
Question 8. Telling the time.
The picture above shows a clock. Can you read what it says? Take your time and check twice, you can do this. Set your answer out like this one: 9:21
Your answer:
9:11
